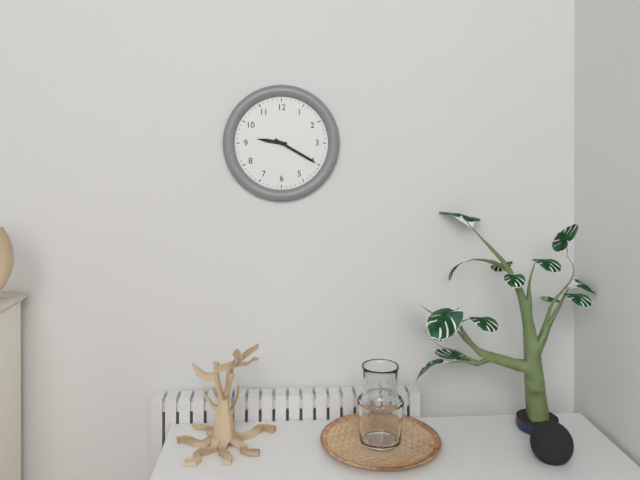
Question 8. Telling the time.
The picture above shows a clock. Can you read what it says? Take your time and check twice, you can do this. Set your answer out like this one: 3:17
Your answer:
9:20
